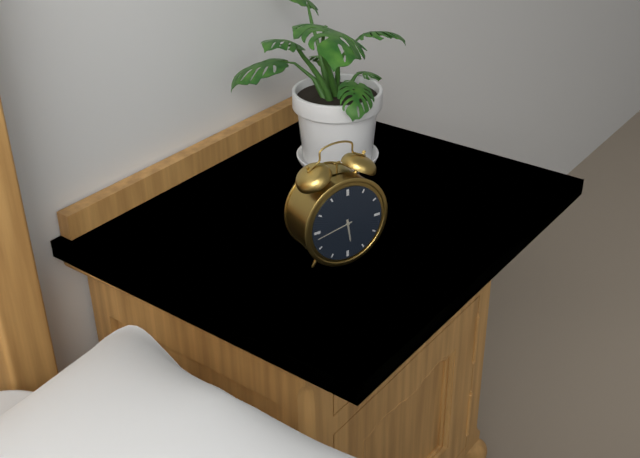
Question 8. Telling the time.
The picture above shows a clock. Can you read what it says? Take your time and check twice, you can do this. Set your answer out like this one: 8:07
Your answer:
5:43
